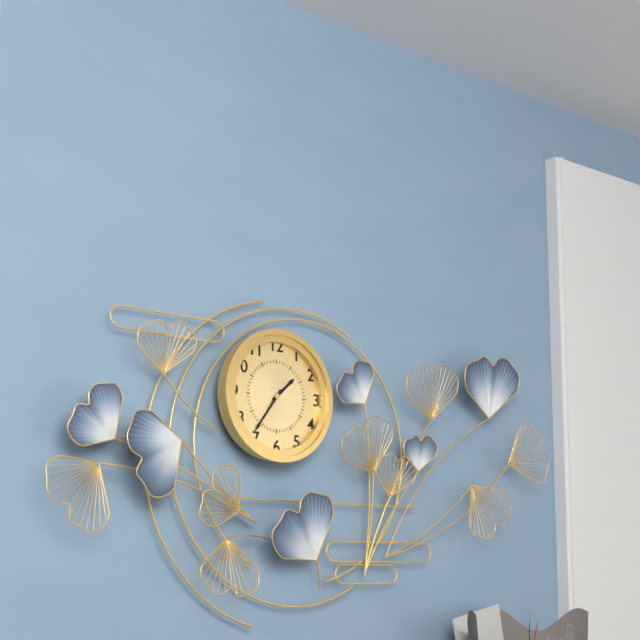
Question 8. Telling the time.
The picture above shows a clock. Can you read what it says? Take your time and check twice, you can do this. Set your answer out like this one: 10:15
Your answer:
1:36
